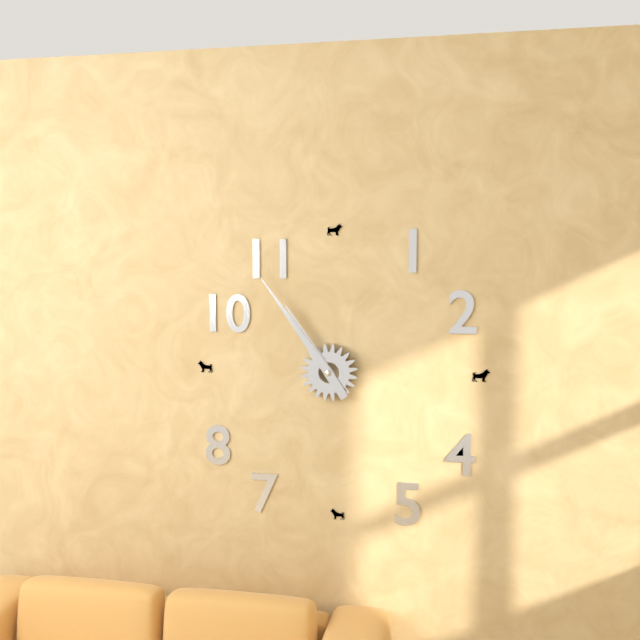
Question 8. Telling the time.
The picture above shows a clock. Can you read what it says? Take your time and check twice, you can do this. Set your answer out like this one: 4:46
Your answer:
10:54
